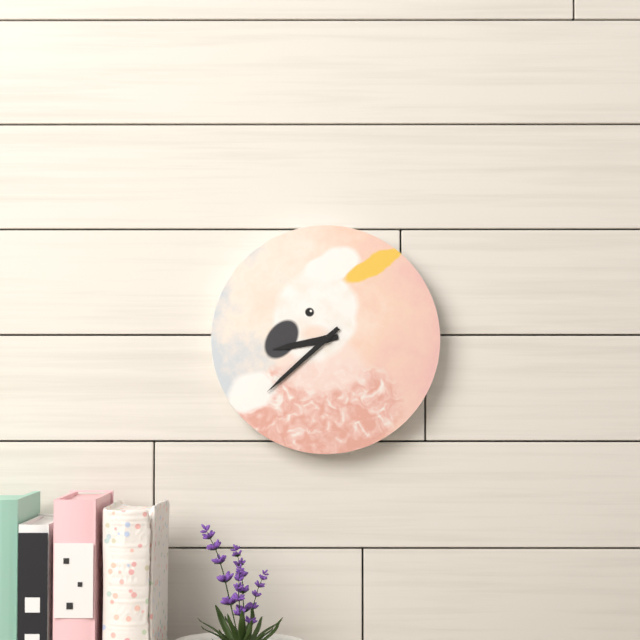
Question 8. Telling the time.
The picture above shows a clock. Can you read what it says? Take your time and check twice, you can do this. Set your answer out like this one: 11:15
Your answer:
8:38
